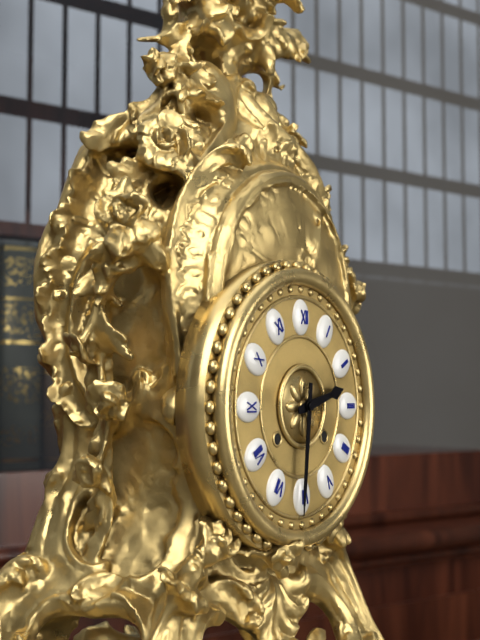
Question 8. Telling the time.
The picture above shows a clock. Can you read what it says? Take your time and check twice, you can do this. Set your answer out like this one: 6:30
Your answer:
2:31
